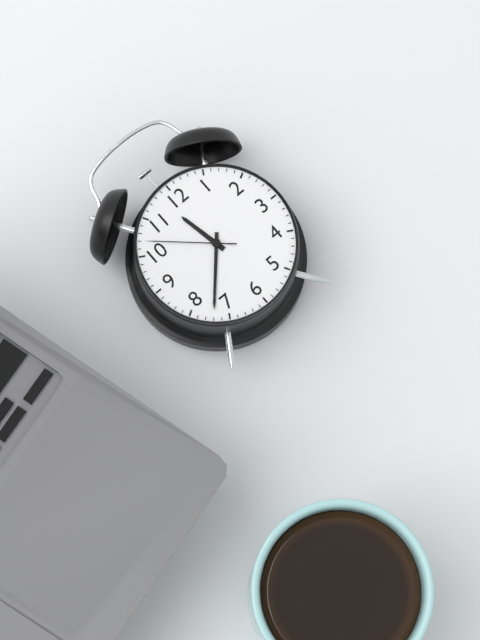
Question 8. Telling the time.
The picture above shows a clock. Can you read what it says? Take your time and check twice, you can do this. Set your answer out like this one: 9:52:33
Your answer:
11:37:52
